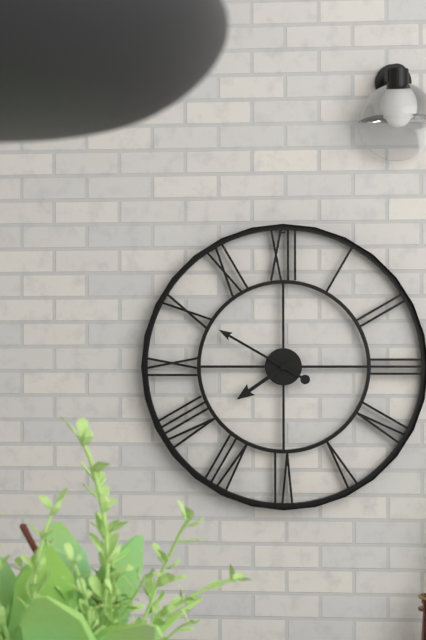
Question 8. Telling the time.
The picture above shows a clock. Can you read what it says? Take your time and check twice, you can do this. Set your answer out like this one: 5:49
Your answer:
7:50
